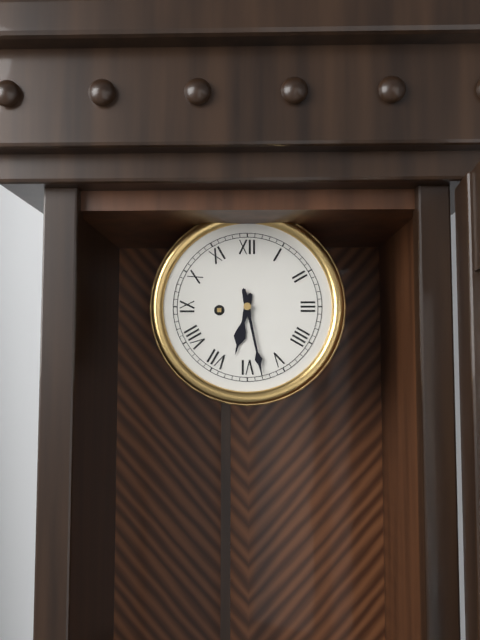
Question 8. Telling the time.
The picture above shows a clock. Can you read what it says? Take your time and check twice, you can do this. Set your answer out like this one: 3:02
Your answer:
6:28
